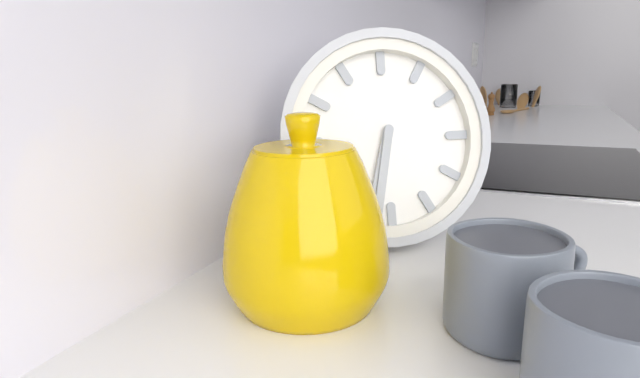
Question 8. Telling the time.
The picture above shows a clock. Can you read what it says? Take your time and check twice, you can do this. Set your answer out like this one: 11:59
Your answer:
6:32
